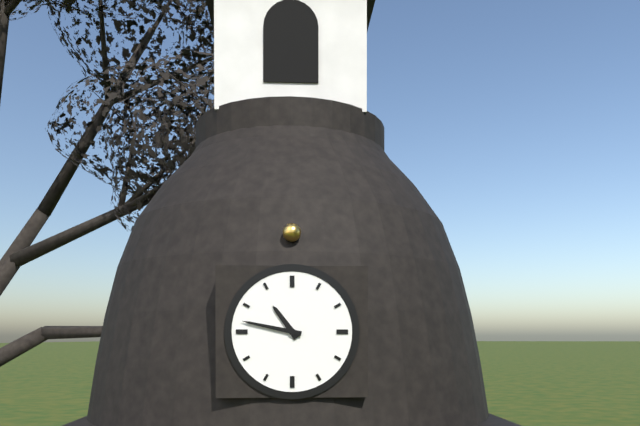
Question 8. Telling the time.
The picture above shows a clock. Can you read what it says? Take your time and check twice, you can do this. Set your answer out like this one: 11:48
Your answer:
10:47
